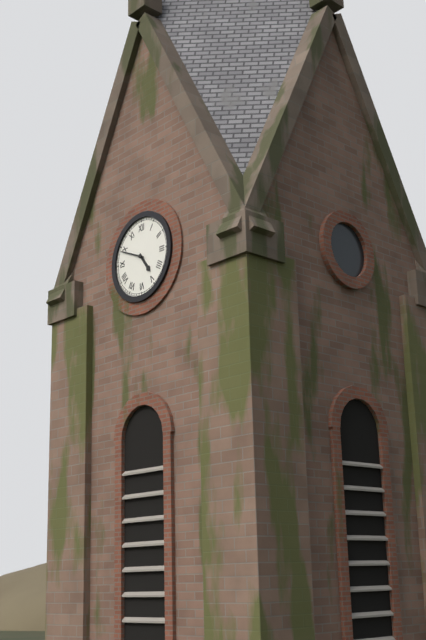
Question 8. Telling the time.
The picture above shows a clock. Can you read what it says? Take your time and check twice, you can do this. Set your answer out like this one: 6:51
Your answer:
4:49
